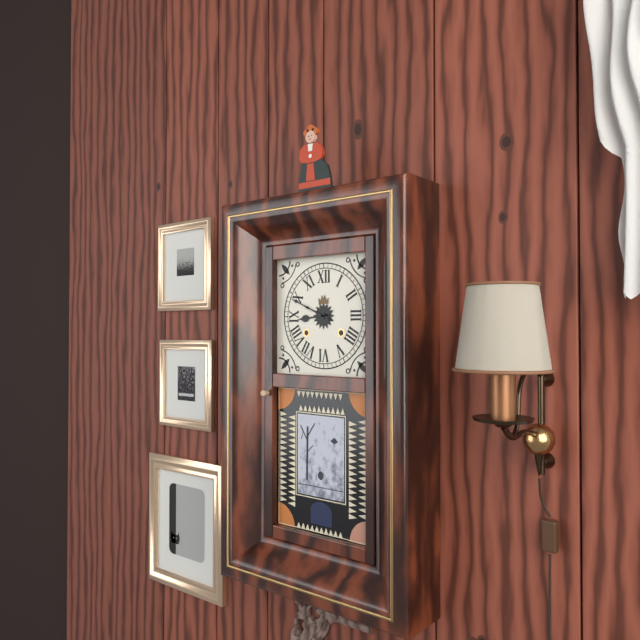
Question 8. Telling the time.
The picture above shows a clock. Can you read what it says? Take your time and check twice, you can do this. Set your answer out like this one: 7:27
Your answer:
8:49
